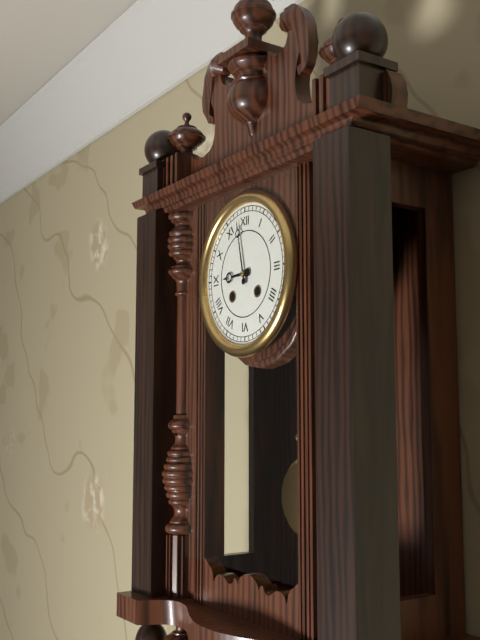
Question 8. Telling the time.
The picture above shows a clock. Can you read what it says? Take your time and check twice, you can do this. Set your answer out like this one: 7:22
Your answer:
8:58
